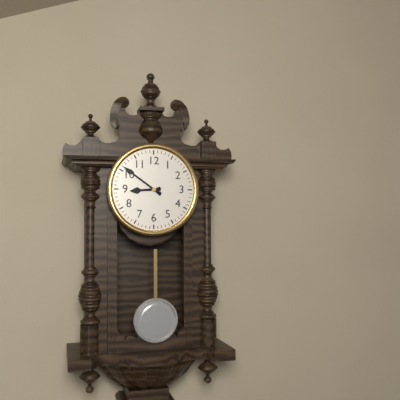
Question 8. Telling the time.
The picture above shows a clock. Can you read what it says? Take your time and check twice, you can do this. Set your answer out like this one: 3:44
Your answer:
8:51
